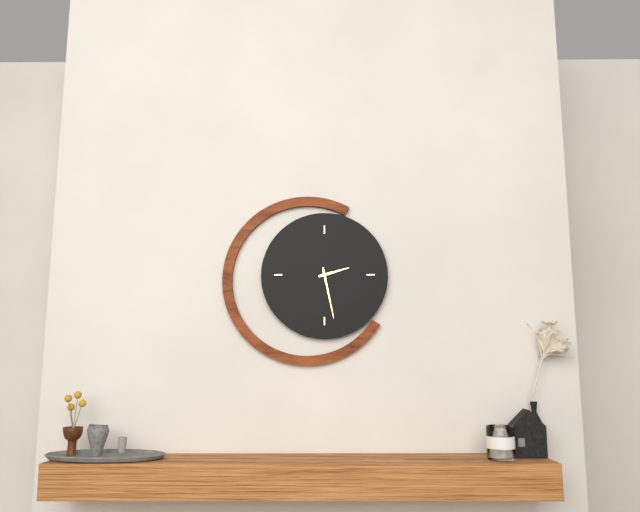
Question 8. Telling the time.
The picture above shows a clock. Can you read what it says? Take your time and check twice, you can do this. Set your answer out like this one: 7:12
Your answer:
2:28
